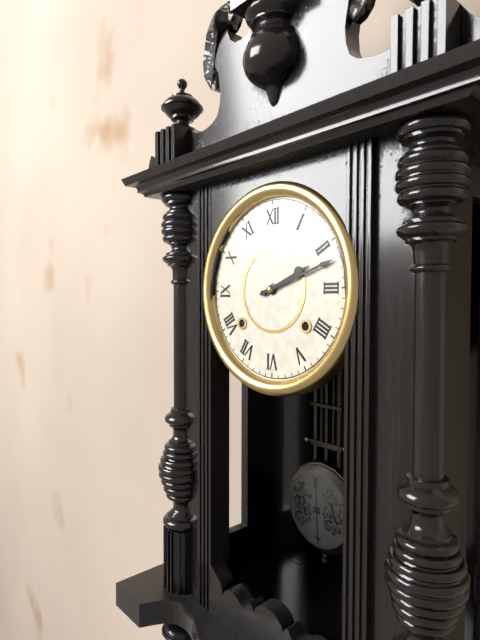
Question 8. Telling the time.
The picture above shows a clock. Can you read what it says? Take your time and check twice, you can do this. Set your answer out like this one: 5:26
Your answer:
2:12
